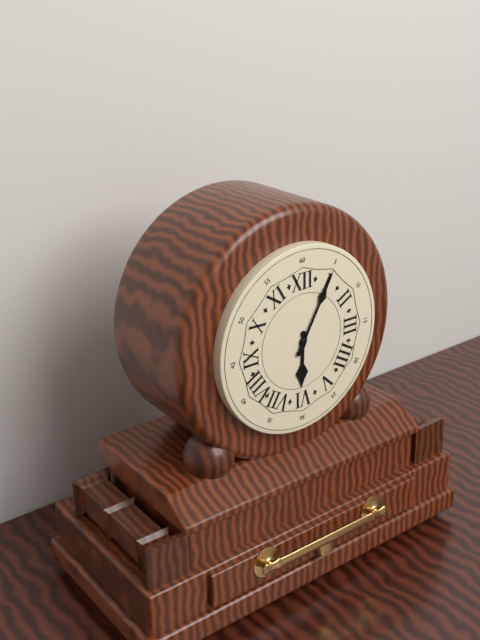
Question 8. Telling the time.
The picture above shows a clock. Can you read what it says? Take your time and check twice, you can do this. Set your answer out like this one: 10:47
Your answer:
6:05
